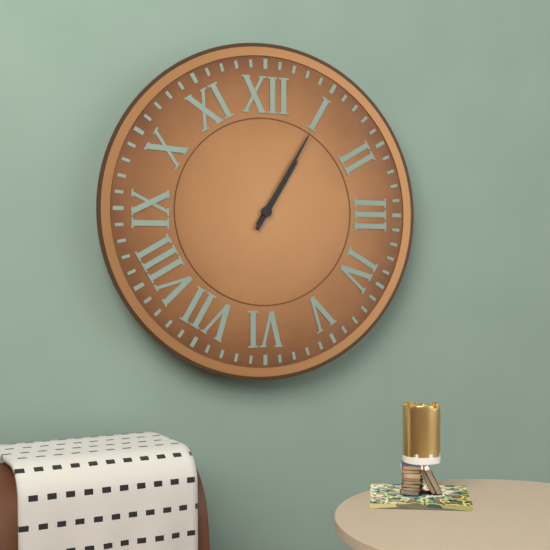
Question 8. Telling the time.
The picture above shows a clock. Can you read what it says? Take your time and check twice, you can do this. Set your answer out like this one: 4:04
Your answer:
1:05
